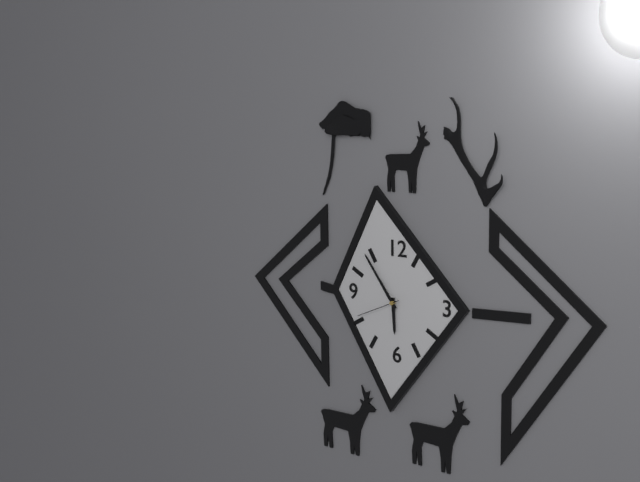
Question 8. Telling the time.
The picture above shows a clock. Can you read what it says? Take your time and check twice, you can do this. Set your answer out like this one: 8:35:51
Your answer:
5:54:41
